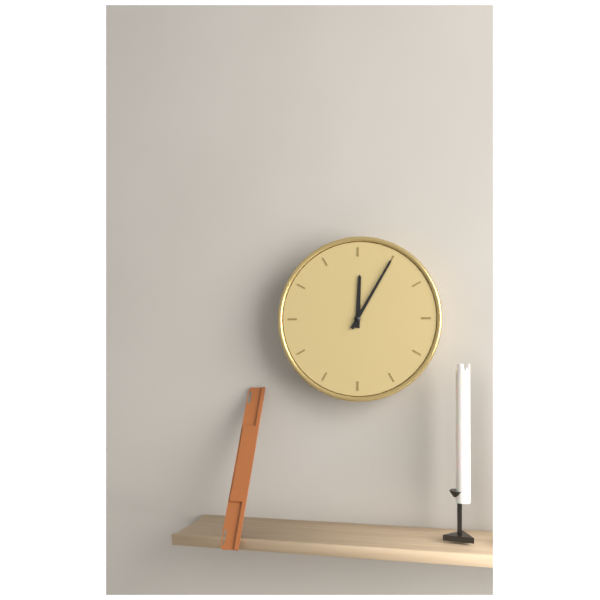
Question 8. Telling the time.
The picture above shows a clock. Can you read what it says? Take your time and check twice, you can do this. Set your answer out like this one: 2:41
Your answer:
12:05
